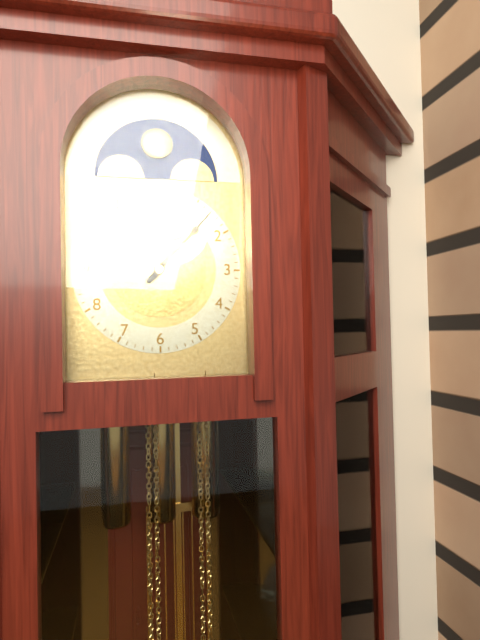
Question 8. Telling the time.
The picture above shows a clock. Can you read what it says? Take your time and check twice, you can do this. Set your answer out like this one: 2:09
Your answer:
1:07
